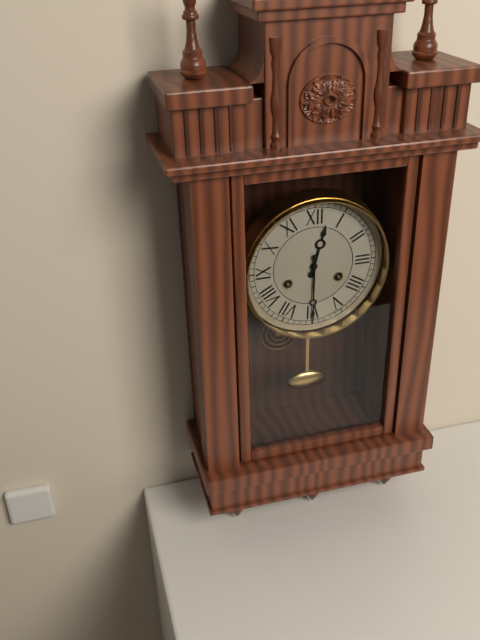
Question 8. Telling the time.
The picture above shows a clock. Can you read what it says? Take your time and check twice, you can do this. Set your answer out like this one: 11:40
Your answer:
12:30
